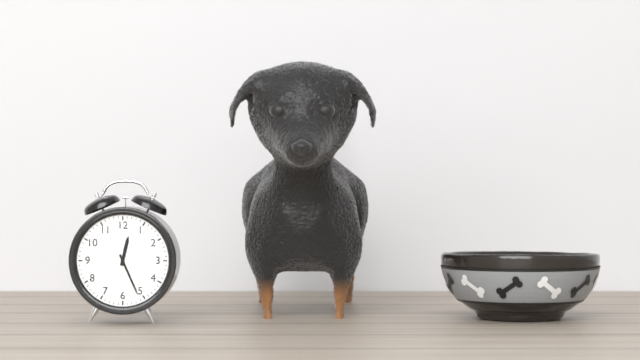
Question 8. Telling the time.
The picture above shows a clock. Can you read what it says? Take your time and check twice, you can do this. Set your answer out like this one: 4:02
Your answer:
12:26
